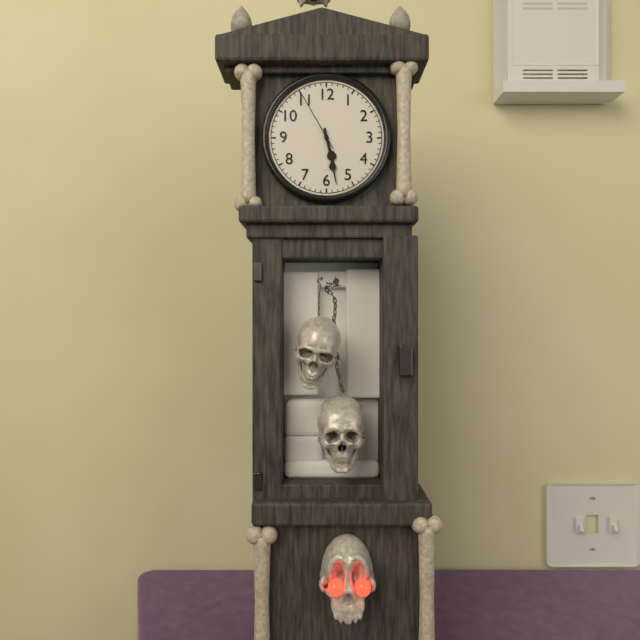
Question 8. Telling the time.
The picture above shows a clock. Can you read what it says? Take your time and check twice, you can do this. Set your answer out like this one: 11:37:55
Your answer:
5:28:55
